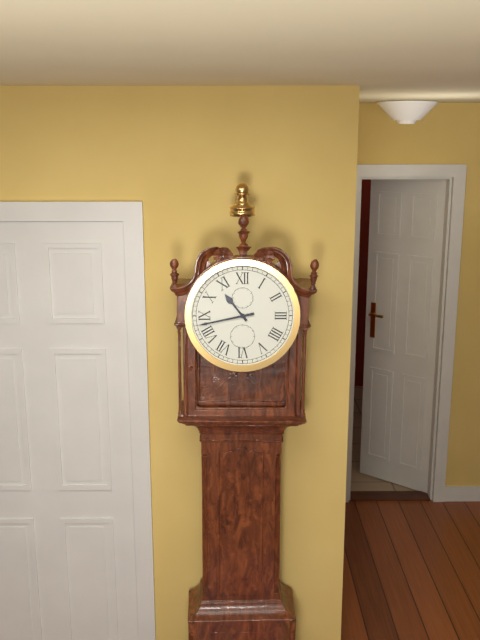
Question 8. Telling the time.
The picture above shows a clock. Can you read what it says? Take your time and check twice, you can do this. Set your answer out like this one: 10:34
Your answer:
10:43
